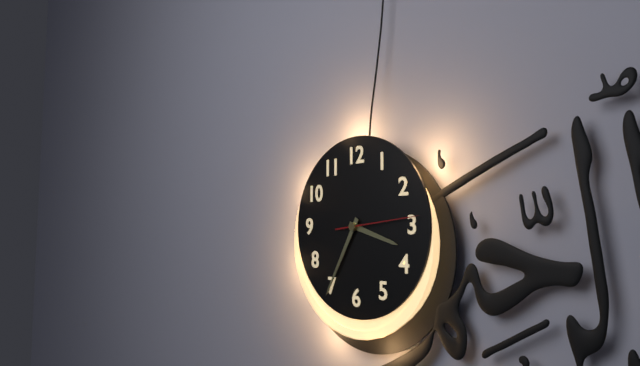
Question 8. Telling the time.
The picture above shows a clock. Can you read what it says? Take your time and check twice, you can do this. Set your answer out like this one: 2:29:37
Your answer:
3:35:14
